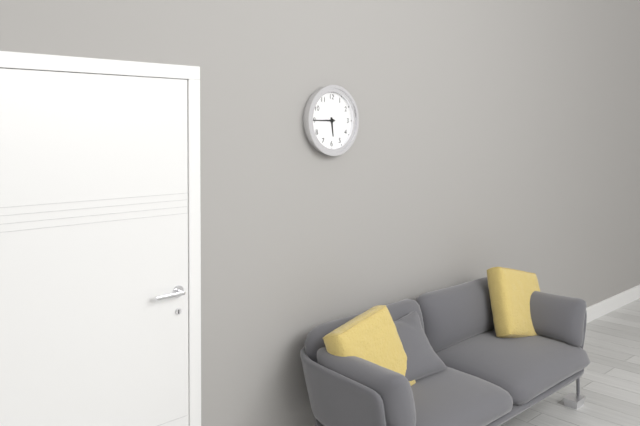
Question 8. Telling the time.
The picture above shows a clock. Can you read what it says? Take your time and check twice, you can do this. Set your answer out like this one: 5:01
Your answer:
5:45
